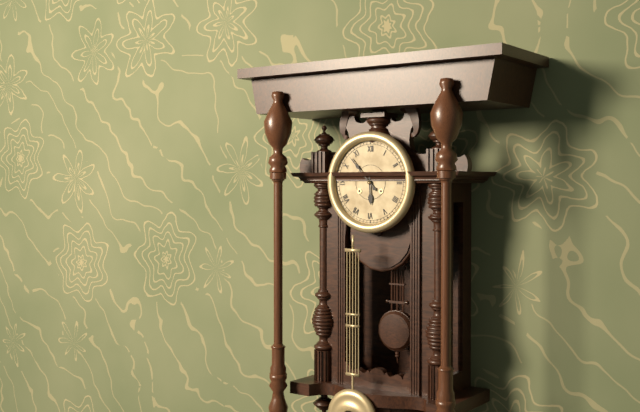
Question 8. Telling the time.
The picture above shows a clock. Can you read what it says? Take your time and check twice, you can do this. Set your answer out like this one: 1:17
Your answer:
5:53
